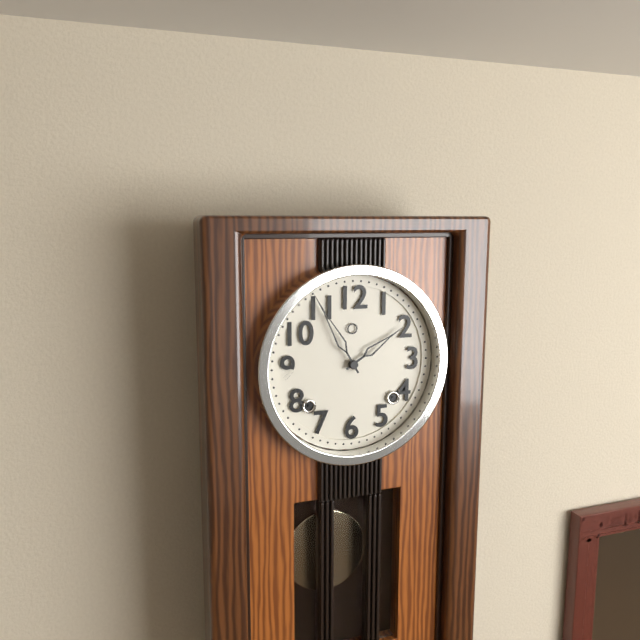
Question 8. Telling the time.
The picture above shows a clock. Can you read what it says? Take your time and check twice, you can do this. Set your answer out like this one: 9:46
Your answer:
1:55
